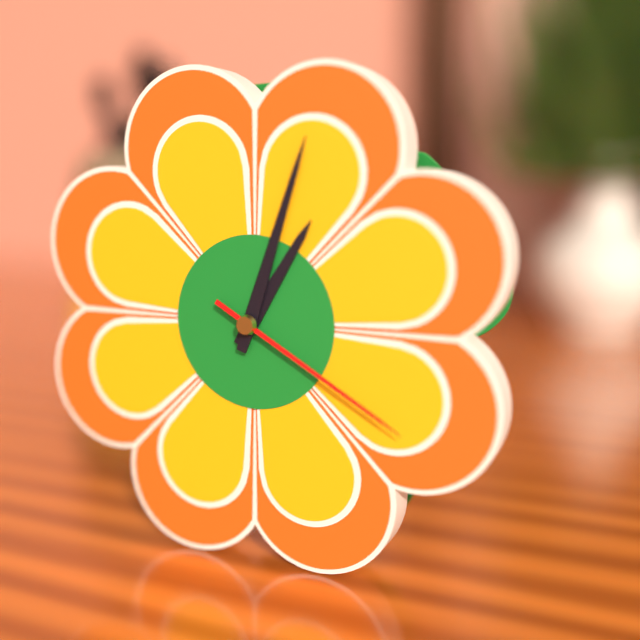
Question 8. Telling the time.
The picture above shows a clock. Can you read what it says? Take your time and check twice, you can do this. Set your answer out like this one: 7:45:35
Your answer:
1:03:20
